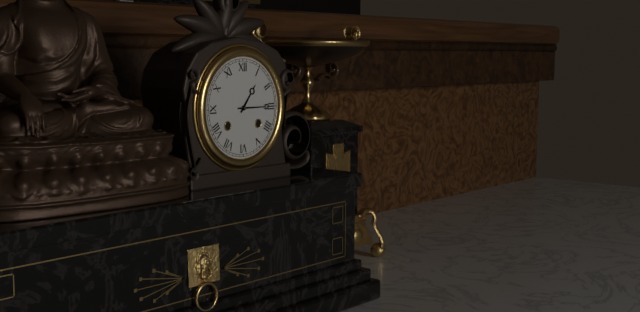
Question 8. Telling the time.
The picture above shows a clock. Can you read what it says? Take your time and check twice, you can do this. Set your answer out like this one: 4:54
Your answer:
1:15
